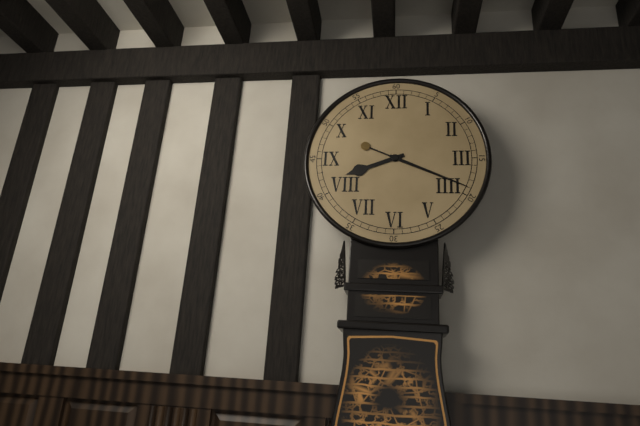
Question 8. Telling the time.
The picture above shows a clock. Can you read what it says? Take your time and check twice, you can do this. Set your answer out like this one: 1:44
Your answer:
8:19
